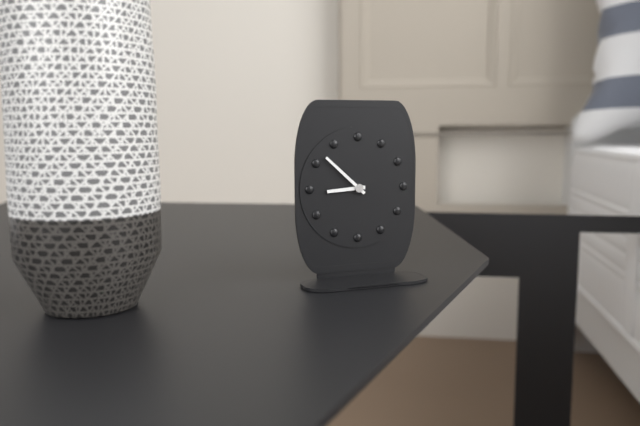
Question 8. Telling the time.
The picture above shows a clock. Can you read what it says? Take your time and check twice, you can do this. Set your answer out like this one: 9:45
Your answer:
8:52
